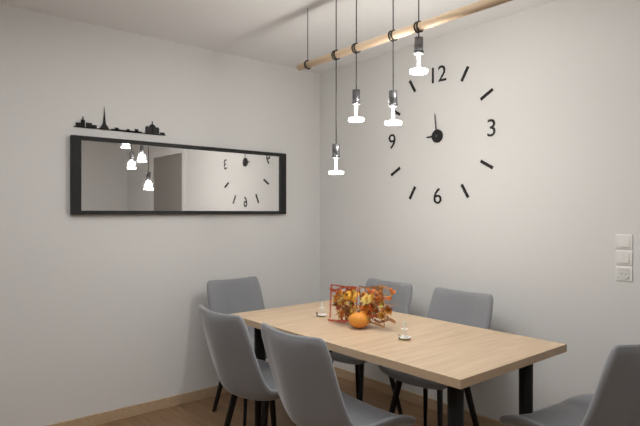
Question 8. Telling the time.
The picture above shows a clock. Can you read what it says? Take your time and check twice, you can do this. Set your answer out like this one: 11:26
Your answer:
8:59
